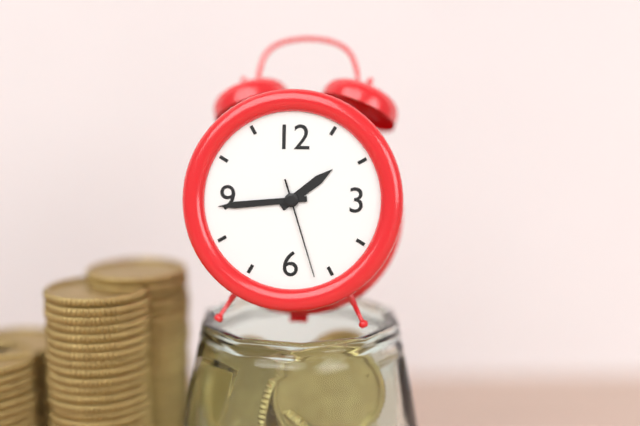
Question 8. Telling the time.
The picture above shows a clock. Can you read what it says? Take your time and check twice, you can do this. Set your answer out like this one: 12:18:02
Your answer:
1:44:27
